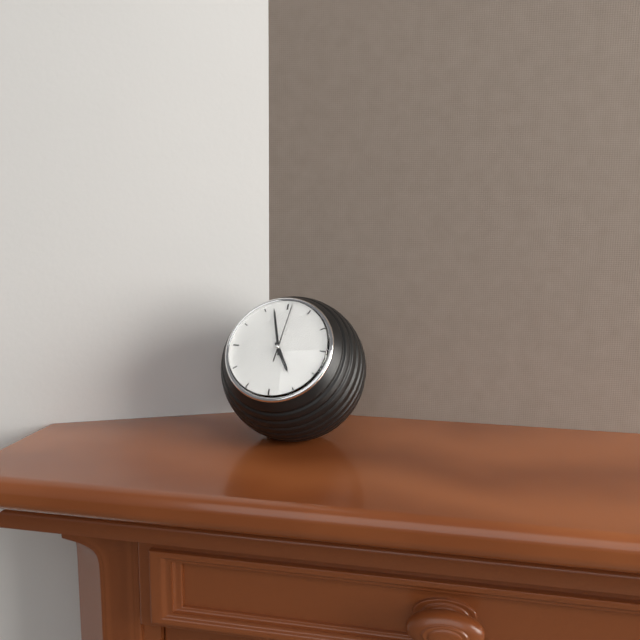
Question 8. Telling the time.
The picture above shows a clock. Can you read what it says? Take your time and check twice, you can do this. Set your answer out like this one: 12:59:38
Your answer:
4:57:01
